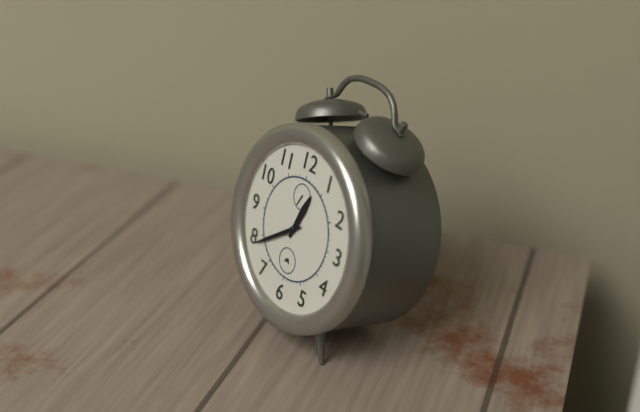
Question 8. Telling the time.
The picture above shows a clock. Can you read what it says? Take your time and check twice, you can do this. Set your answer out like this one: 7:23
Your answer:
12:39
